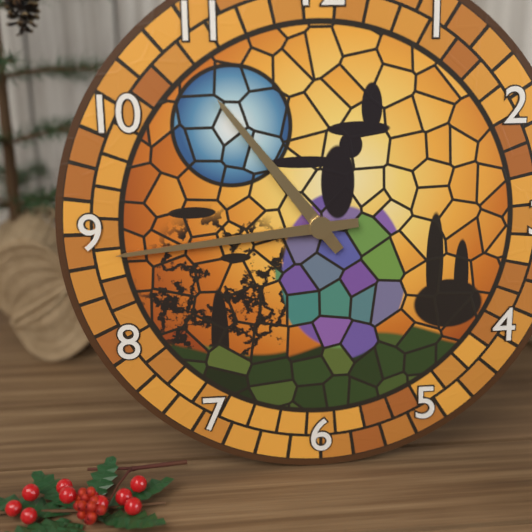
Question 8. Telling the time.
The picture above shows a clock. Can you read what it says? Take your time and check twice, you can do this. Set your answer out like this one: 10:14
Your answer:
10:44
